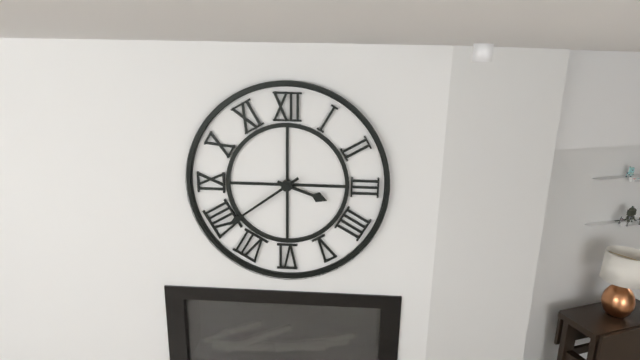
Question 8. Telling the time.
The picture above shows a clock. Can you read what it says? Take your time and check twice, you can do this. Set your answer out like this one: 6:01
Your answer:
3:39
